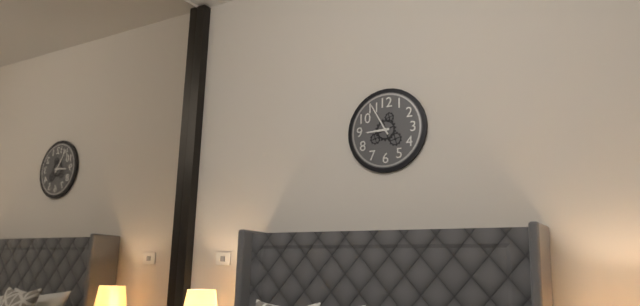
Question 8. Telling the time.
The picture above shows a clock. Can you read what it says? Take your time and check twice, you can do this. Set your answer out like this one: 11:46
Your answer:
8:55
